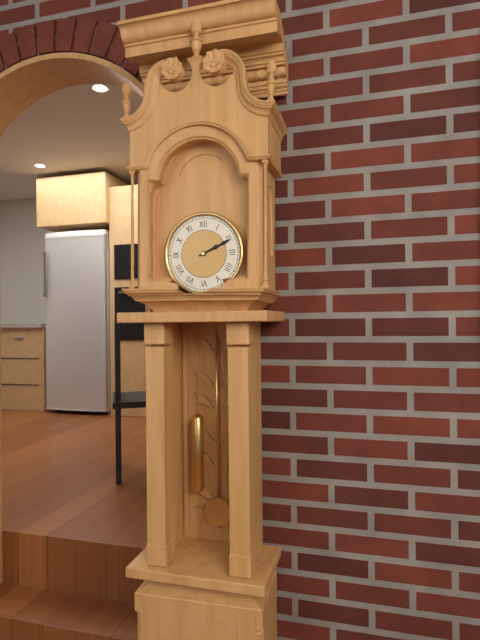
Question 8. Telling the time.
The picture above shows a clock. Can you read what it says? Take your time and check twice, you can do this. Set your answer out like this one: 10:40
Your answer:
2:11
